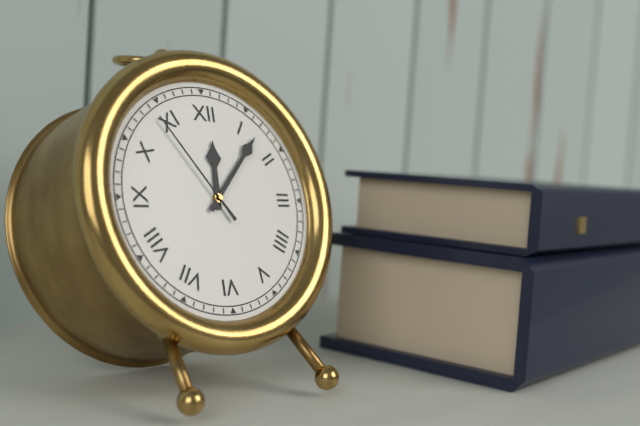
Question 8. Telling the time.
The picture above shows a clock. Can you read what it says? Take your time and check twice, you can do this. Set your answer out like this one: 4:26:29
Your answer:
12:07:54
